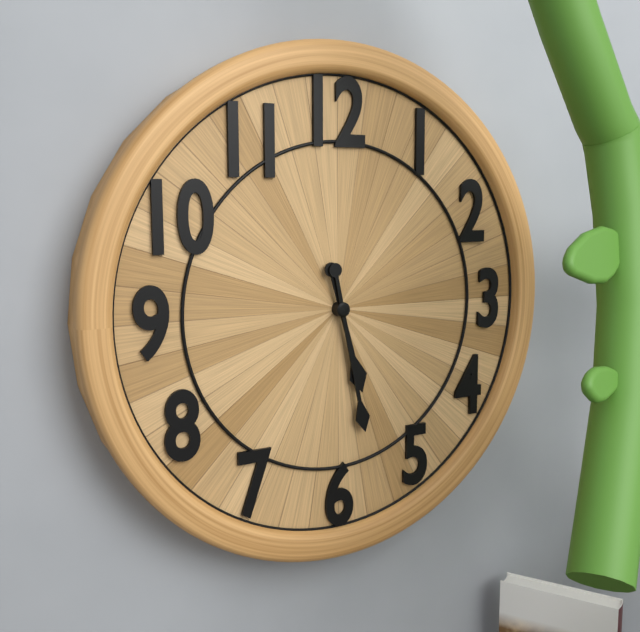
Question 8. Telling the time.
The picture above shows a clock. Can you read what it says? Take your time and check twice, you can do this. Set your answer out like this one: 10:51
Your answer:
5:28
